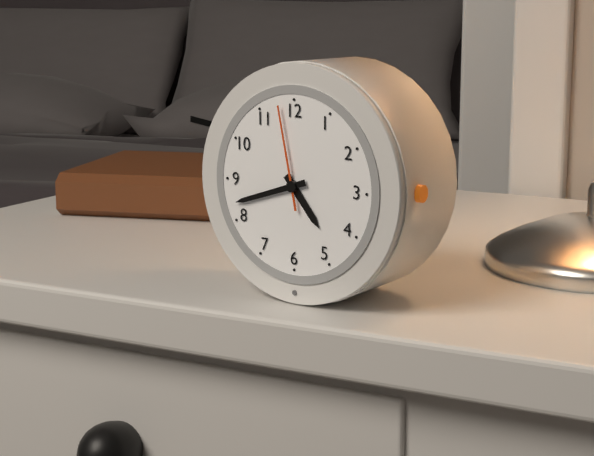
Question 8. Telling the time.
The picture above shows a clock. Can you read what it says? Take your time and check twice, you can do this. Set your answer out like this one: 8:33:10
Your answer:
4:42:58
